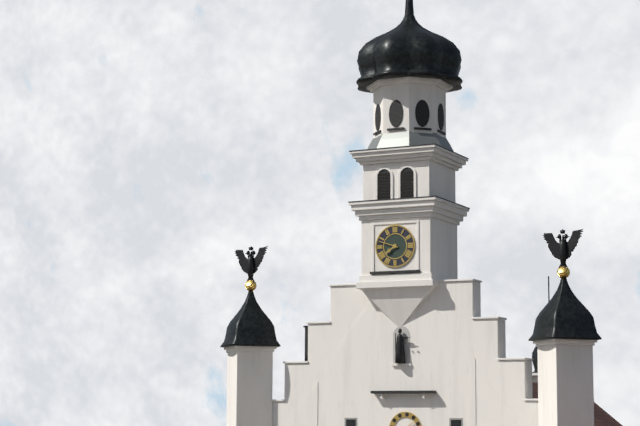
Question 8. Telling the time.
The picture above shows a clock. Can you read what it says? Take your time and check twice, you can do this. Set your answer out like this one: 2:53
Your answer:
7:48
